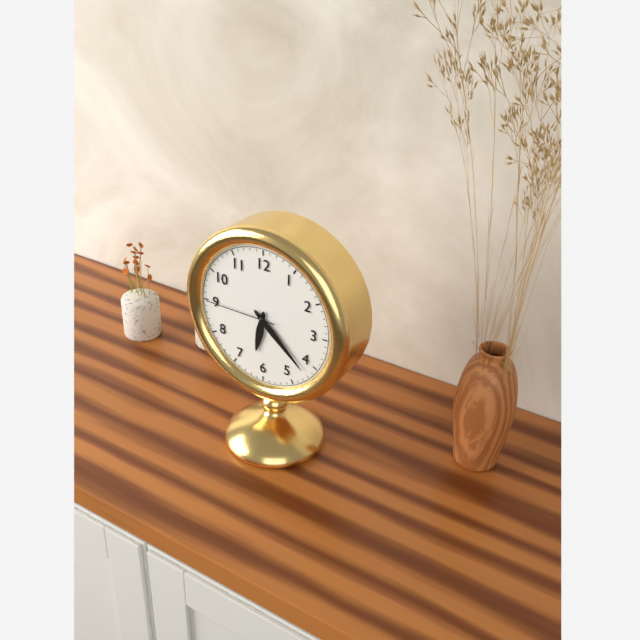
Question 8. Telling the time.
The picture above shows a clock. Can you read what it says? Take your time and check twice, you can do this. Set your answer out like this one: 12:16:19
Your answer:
6:22:45
